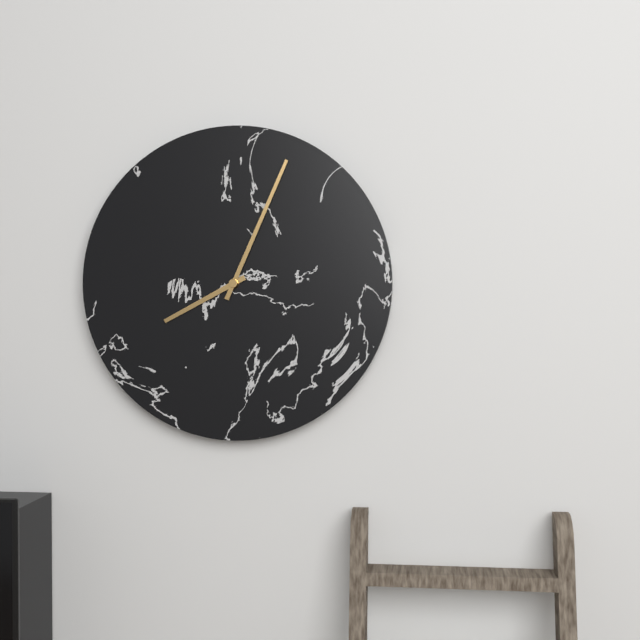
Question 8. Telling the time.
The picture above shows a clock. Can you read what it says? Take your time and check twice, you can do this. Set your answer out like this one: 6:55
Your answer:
8:04
